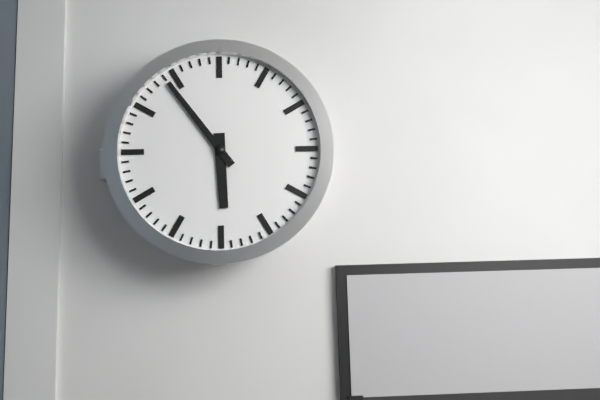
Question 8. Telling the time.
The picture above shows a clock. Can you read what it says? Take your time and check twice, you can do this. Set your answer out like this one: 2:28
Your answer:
5:54
